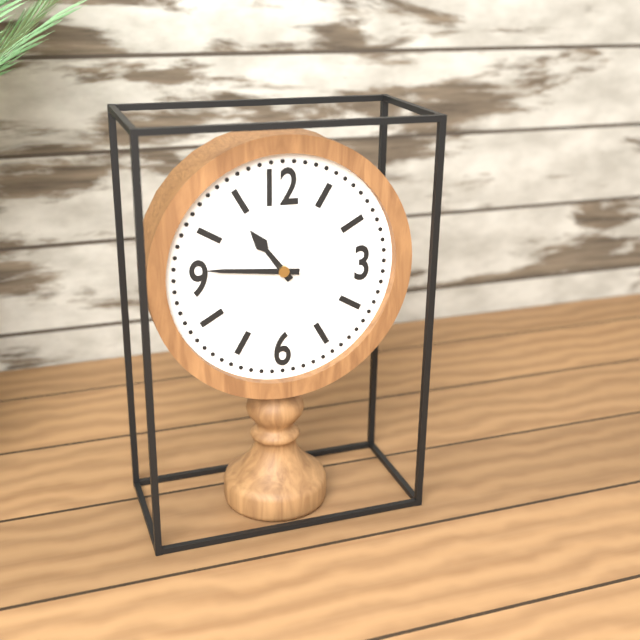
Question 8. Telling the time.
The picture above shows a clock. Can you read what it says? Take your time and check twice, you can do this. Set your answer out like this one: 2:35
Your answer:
10:46
